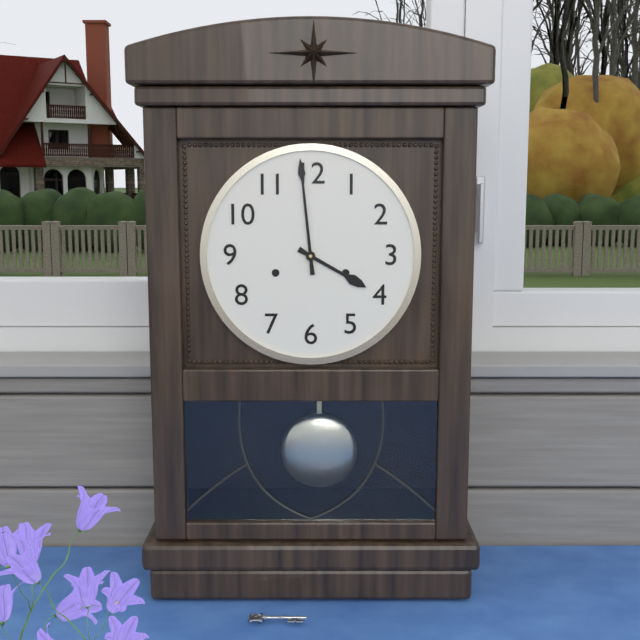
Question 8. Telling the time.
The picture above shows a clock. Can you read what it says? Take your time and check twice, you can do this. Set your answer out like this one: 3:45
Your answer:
3:59
